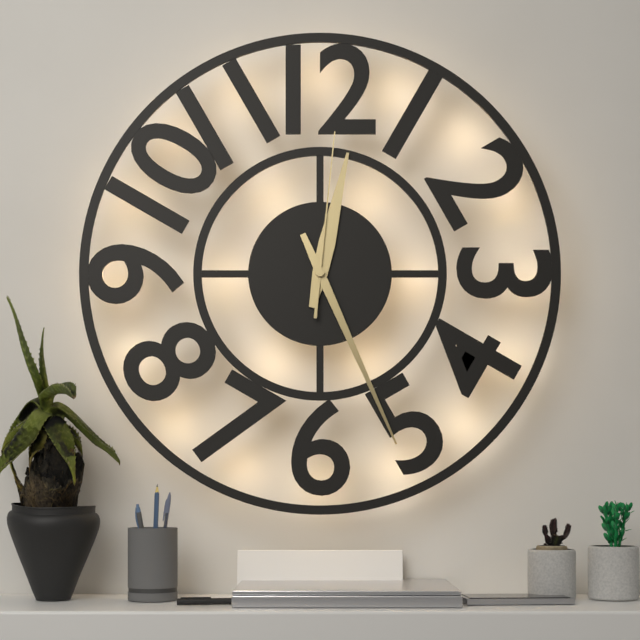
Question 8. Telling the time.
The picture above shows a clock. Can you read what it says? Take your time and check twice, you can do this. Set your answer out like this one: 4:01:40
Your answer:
12:26:01
